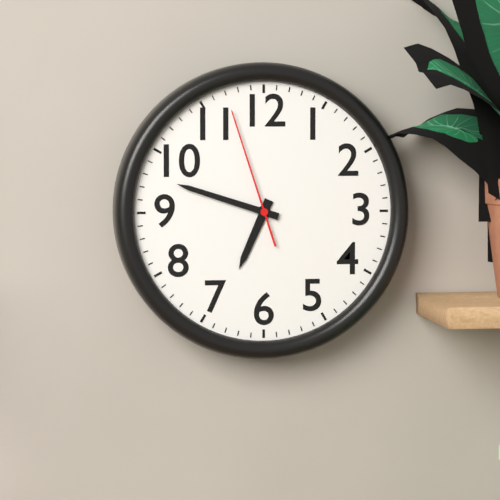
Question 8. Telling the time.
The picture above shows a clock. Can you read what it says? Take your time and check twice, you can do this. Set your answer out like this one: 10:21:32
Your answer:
6:48:57
